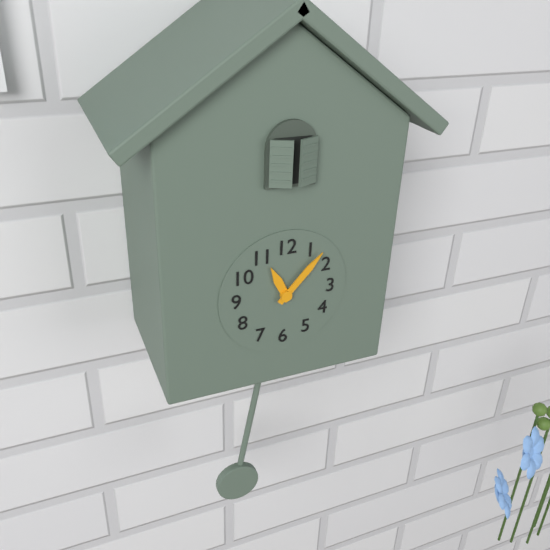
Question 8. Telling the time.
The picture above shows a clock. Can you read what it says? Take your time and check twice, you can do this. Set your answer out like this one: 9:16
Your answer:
11:07
